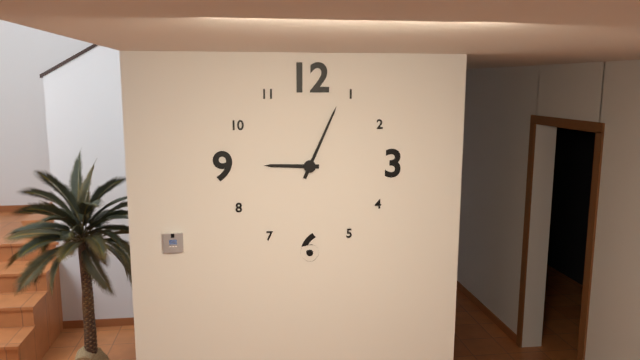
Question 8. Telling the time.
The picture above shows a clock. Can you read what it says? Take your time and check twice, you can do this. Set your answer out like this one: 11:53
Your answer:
9:04
